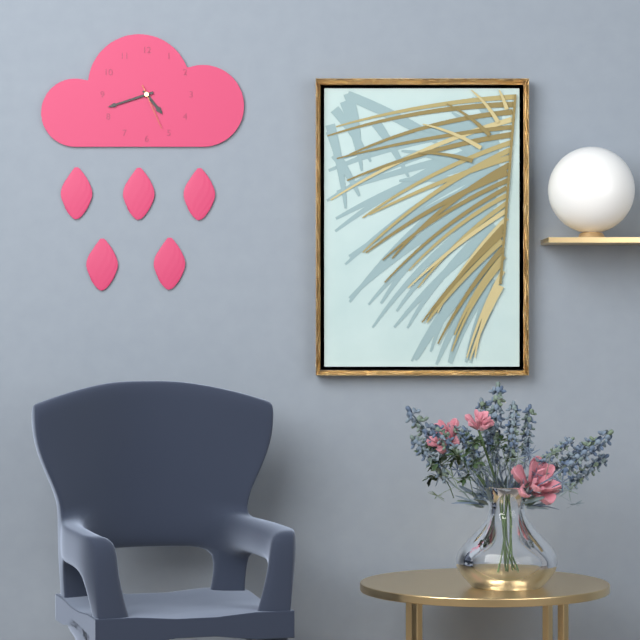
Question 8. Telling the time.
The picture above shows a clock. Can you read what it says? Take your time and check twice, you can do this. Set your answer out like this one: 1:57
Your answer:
4:42
